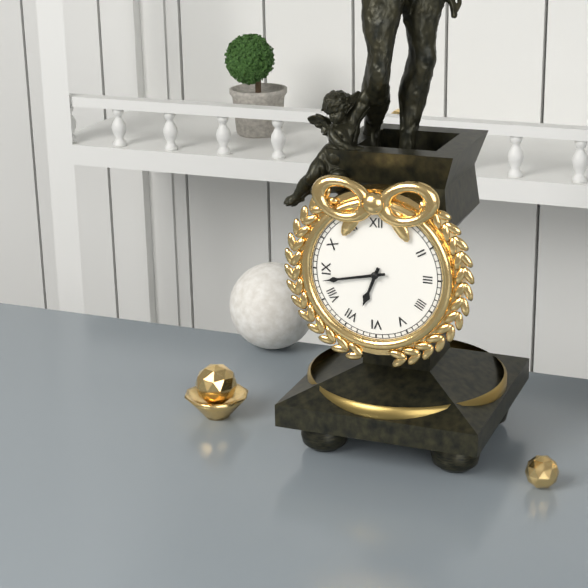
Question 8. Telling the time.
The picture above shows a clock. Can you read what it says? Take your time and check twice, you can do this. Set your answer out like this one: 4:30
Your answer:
6:43
